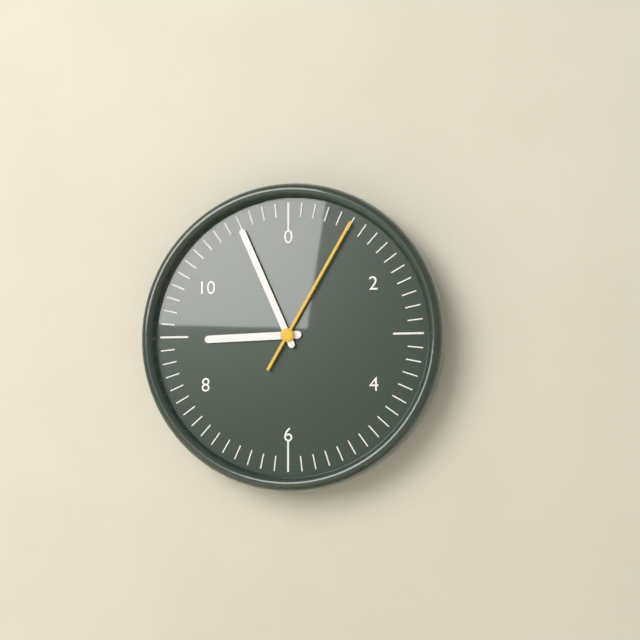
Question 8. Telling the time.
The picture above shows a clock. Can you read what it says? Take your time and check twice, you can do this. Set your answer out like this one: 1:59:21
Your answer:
8:56:05
